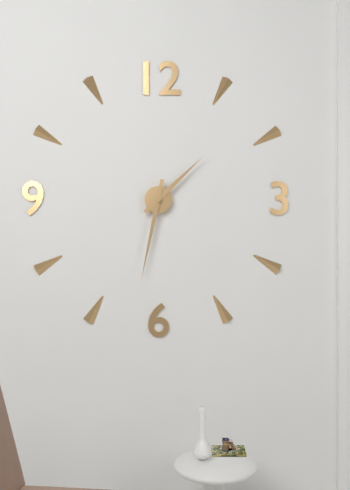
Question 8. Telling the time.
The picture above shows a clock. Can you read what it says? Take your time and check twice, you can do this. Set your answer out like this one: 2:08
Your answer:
1:32
